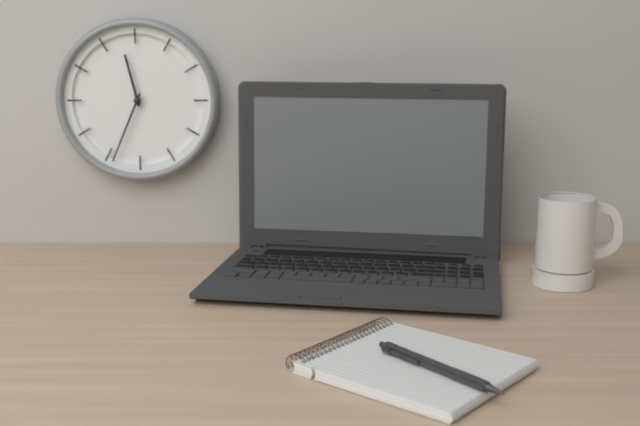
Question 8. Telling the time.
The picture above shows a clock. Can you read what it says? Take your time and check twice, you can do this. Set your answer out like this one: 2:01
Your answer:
11:34
